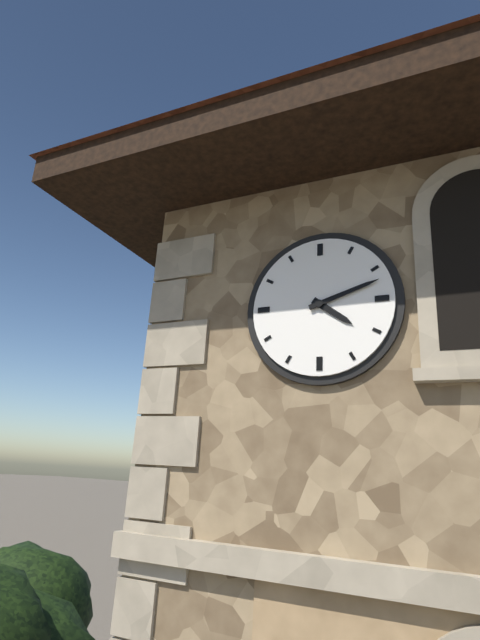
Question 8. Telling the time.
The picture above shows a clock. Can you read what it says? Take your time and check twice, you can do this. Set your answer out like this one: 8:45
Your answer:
4:12
